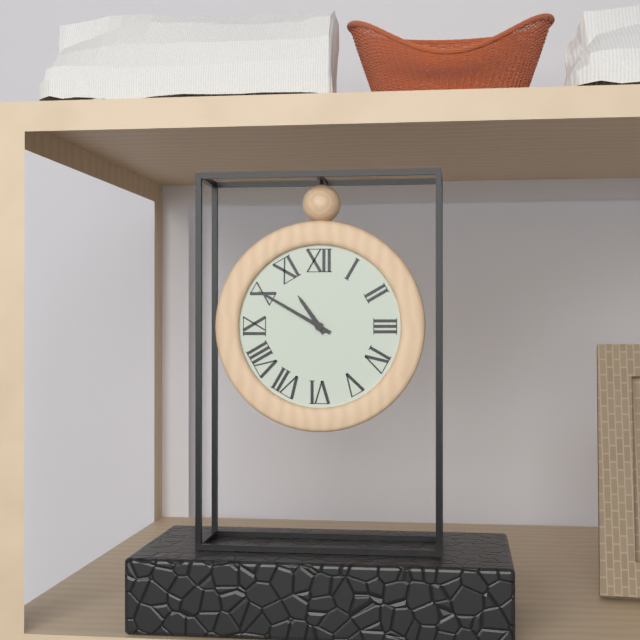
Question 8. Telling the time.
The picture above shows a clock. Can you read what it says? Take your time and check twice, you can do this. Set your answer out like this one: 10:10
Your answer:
10:50
